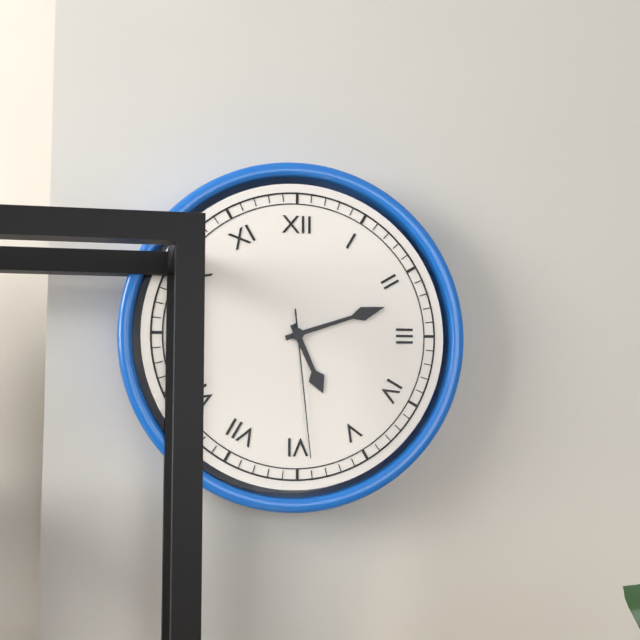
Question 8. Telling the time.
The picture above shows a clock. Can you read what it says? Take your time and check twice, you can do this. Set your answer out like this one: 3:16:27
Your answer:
5:12:29
